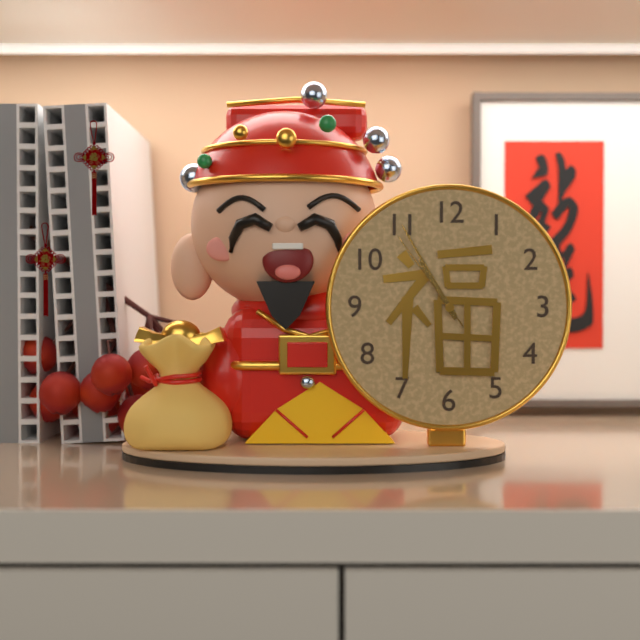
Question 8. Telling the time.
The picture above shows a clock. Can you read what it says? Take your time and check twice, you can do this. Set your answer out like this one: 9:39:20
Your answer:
10:55:54
